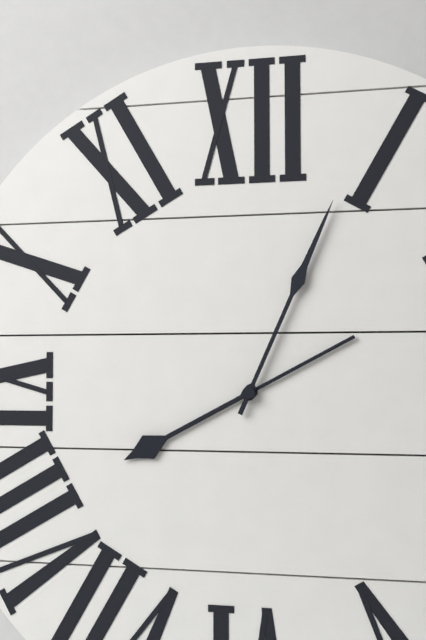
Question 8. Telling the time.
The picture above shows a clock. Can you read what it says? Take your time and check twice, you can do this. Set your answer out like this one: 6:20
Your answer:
8:04
